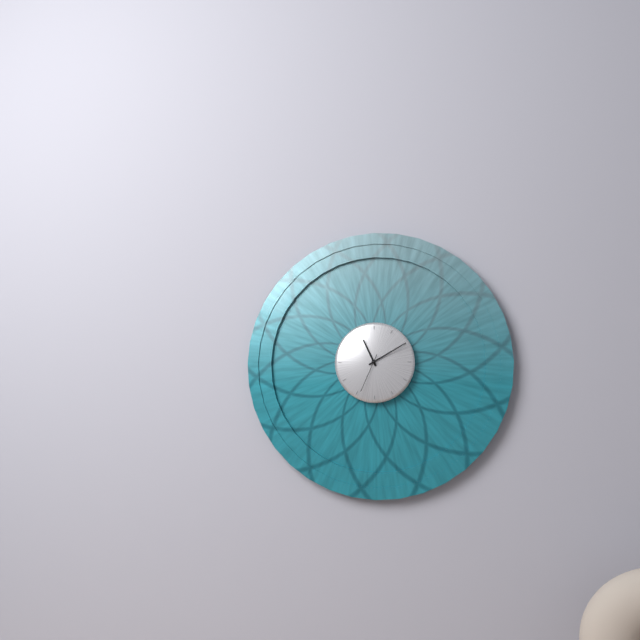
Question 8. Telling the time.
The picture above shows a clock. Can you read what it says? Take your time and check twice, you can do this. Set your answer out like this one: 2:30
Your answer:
11:10
